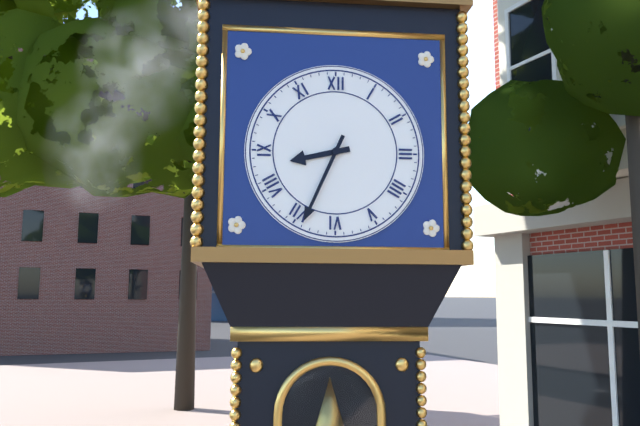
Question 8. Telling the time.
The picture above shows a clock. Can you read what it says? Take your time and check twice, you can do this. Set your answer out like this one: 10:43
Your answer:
8:34
